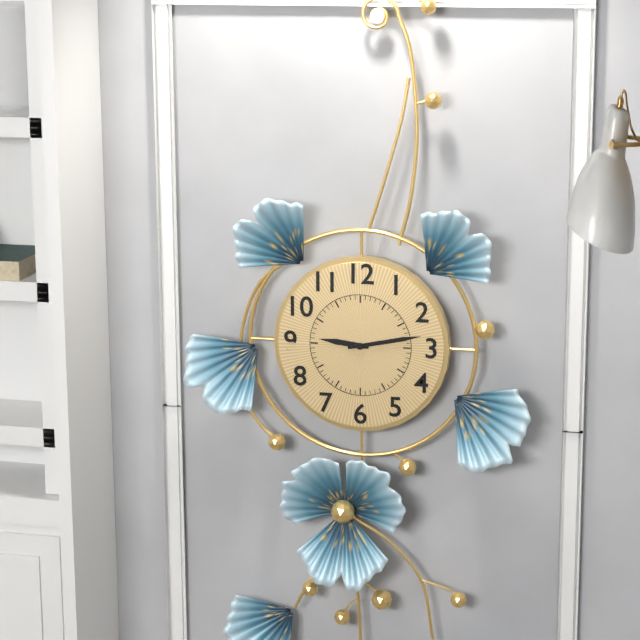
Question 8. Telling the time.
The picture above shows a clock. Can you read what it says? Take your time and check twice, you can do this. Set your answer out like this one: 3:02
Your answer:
9:13
